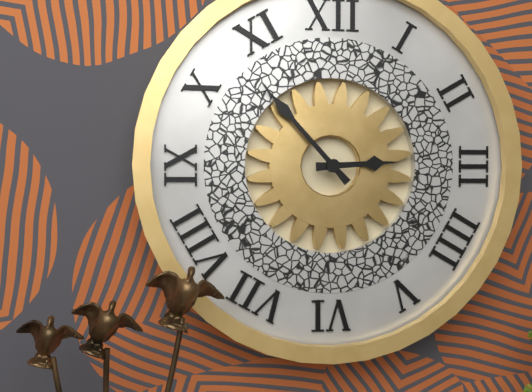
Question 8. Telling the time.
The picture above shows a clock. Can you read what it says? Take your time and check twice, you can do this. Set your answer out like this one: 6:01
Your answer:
2:53
